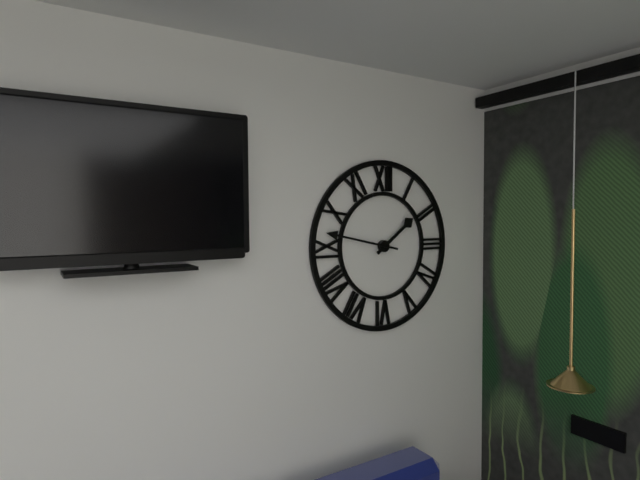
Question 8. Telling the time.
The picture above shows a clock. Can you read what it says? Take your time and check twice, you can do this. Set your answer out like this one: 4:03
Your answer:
1:47
